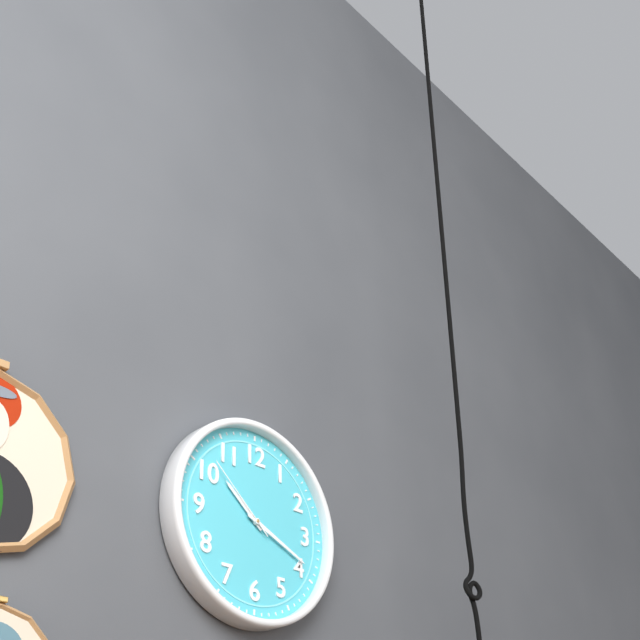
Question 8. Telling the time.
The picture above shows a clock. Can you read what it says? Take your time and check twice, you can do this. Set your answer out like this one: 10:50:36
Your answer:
10:19:52
